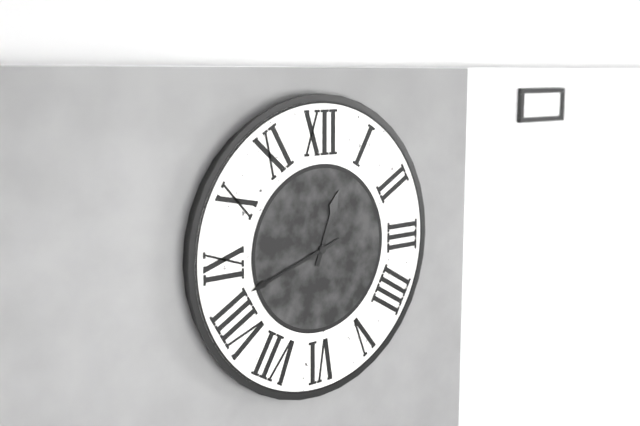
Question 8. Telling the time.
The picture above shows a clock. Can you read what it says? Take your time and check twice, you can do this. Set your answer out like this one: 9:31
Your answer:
12:42
